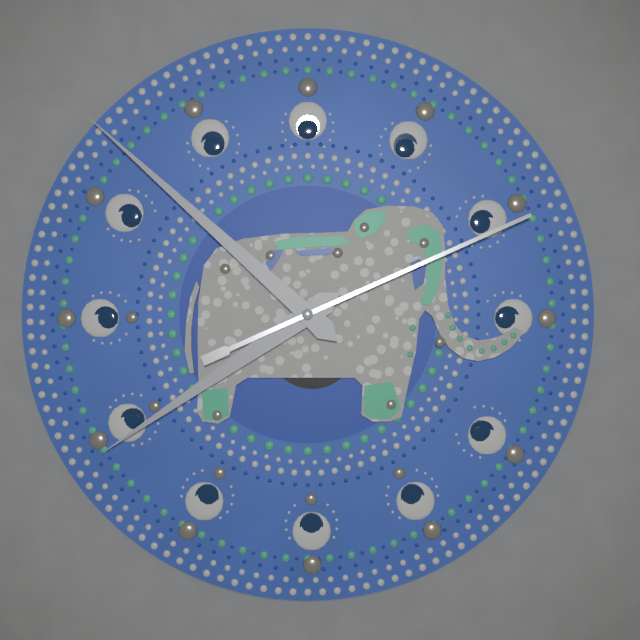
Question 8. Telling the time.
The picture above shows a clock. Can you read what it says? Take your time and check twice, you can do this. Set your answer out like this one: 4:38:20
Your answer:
7:52:11
